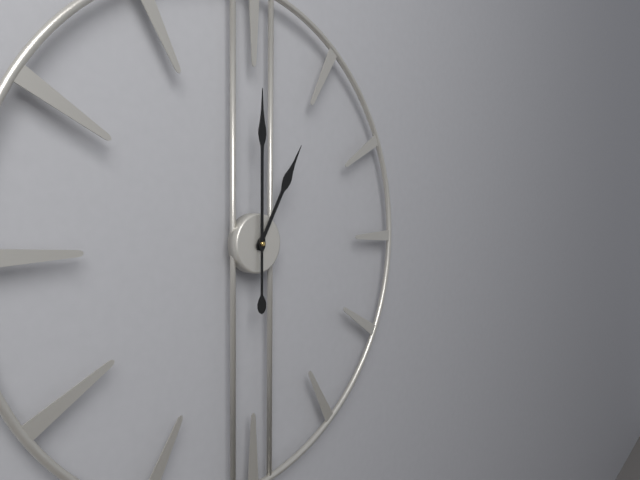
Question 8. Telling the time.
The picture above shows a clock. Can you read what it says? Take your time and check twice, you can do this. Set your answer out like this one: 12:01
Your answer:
1:00
